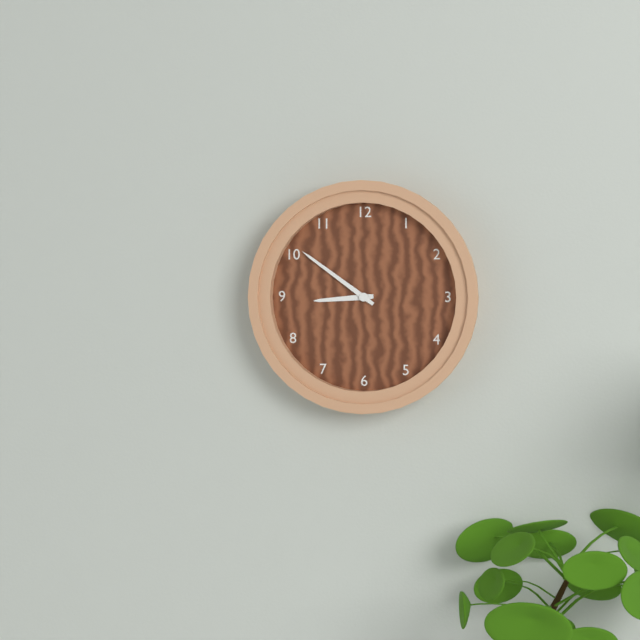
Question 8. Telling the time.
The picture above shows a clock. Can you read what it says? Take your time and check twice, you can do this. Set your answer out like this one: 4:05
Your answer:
8:51
